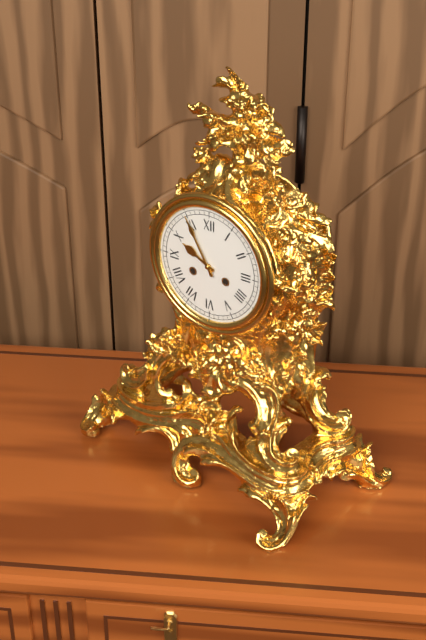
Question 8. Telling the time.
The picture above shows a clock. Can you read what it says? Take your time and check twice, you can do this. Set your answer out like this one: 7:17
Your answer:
9:55
